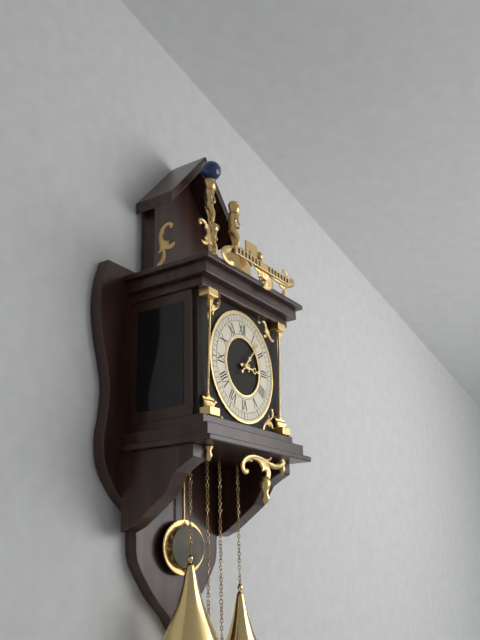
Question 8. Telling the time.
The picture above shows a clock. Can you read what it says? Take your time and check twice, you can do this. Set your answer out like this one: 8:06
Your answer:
3:07
